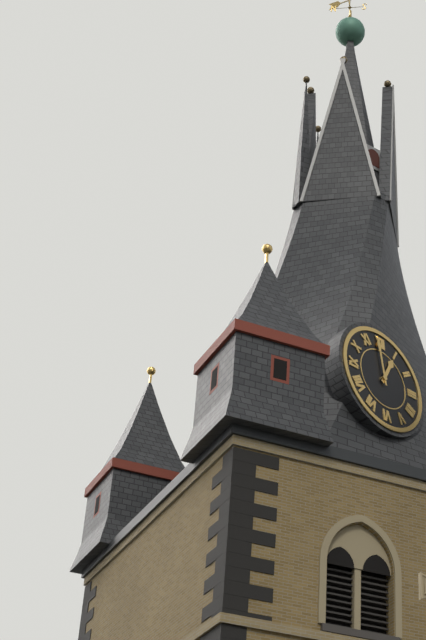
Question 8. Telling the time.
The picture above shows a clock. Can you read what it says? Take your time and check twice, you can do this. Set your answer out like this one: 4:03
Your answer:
12:59
